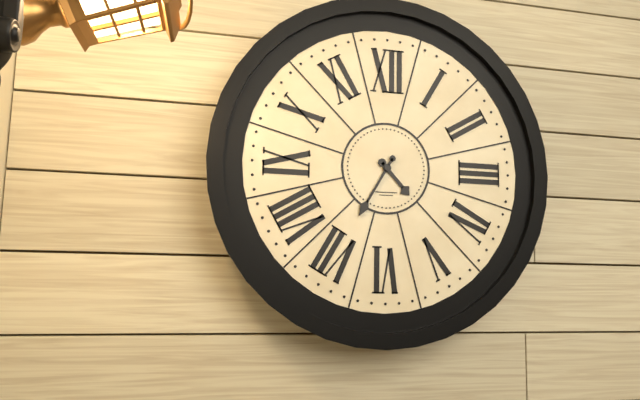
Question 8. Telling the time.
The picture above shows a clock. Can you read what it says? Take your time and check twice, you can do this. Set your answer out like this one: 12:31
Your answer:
4:35
